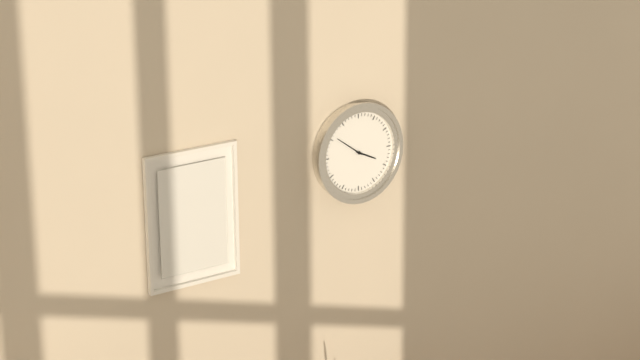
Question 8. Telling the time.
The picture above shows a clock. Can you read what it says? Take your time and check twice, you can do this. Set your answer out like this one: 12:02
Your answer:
3:51
